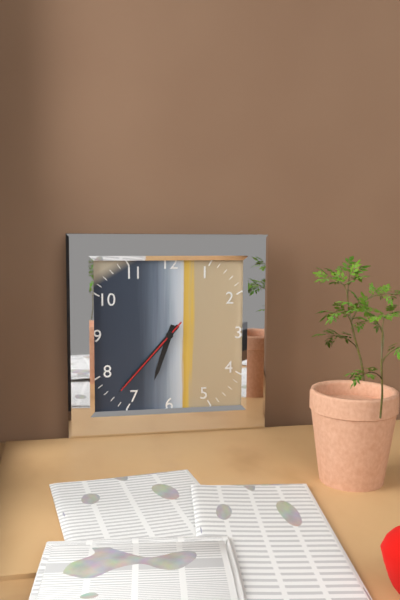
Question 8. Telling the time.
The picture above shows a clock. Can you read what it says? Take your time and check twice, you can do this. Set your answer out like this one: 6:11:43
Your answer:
6:37:37
